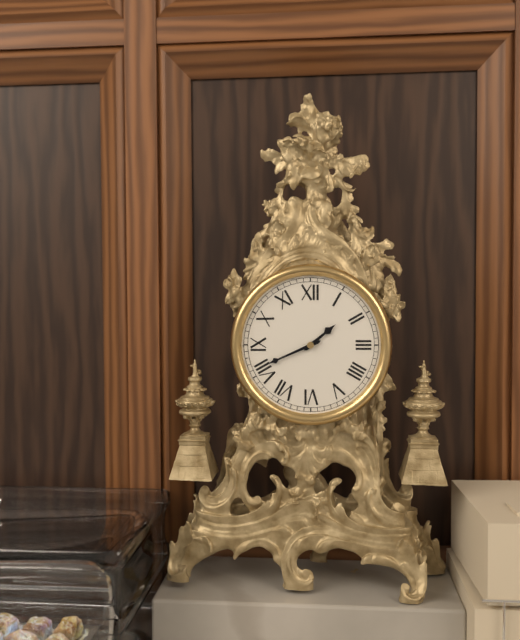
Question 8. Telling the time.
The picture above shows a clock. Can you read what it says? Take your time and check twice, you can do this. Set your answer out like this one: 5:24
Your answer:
1:41
